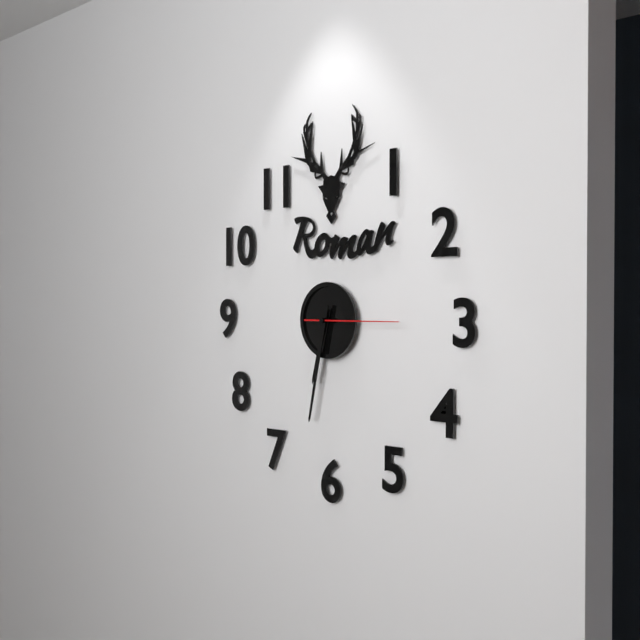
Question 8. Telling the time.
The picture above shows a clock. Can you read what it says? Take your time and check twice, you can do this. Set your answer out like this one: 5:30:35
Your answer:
6:32:15
